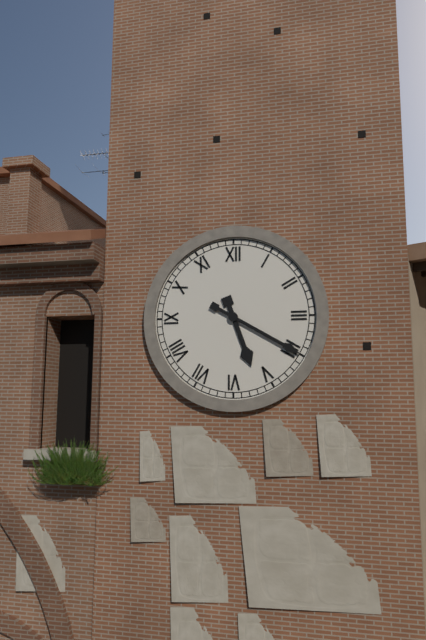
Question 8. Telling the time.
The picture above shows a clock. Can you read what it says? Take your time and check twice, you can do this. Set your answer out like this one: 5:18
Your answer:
5:20
